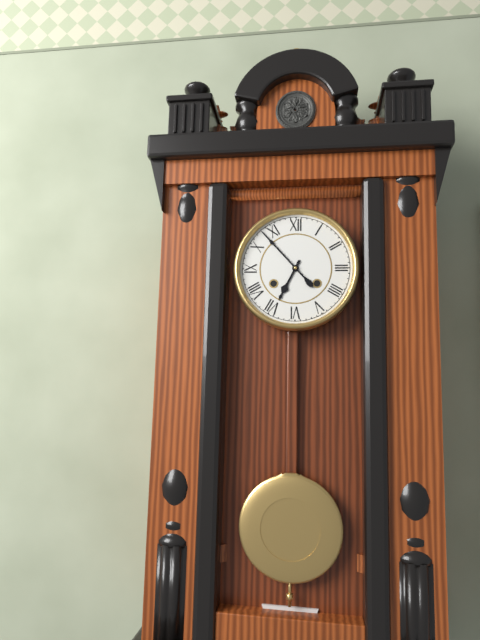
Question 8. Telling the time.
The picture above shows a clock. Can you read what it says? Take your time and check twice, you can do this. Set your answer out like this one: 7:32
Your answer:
6:53
